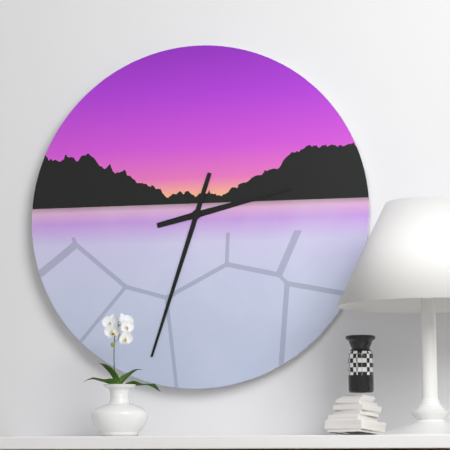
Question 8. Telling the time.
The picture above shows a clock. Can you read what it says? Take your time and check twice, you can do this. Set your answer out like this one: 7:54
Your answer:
2:33
